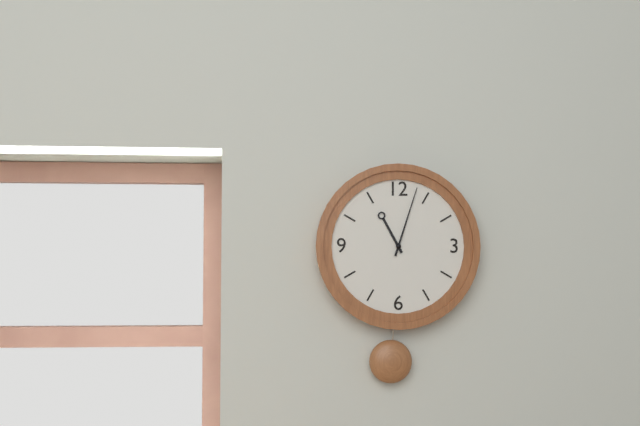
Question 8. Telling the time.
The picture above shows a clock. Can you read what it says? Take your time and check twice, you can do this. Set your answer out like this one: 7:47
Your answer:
11:03
